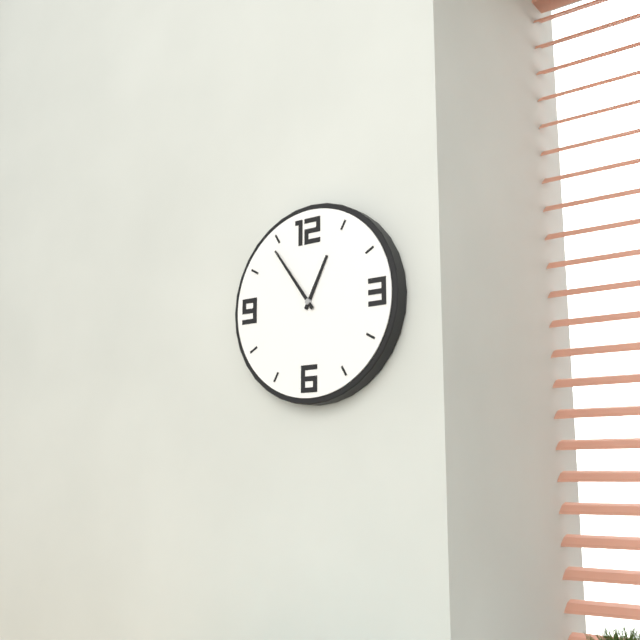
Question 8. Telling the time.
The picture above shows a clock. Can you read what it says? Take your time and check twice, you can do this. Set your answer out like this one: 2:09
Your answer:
12:54
